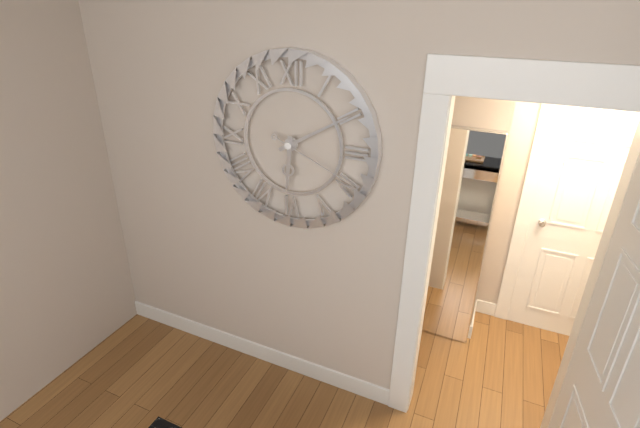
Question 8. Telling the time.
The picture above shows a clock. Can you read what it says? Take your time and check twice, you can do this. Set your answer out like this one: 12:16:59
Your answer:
6:10:19
